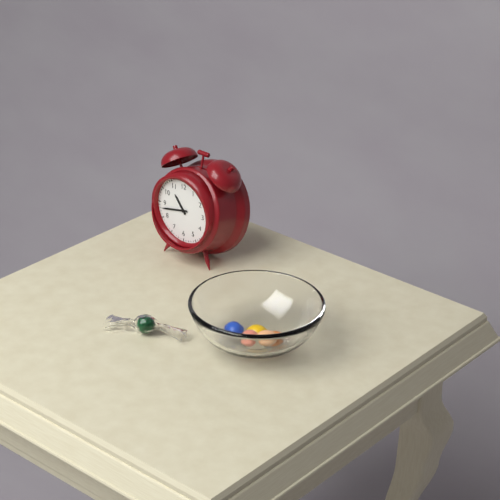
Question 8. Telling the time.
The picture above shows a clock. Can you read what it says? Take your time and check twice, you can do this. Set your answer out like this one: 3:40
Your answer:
10:43
